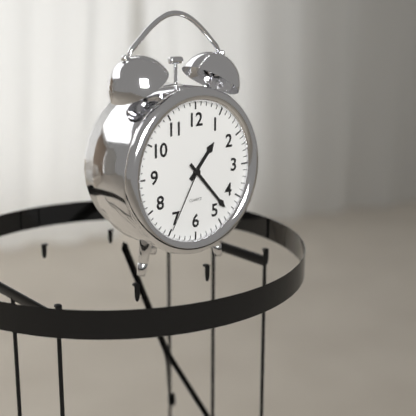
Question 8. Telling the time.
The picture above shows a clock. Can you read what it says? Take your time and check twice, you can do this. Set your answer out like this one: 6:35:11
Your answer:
1:23:35
